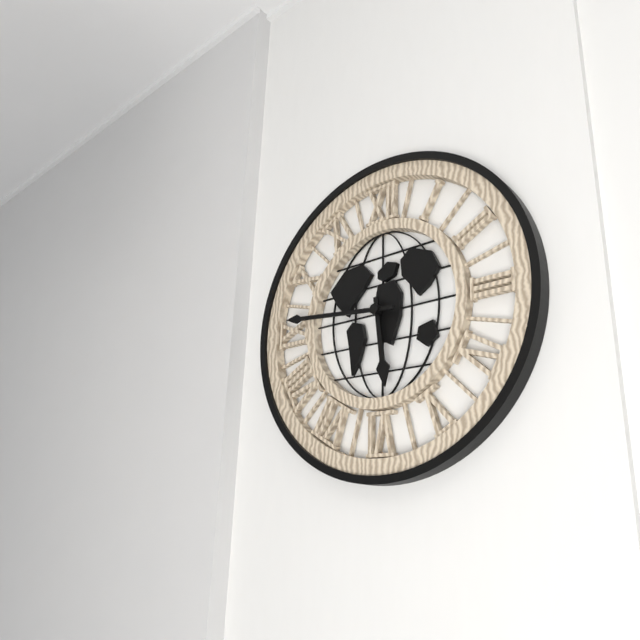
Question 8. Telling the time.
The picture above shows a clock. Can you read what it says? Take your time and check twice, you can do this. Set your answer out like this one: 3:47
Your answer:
5:46
